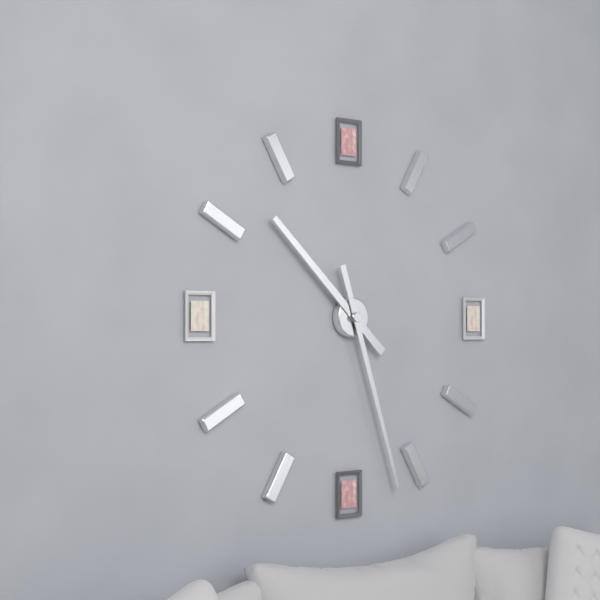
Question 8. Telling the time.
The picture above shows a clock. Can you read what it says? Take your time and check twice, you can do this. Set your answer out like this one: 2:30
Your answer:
10:27
